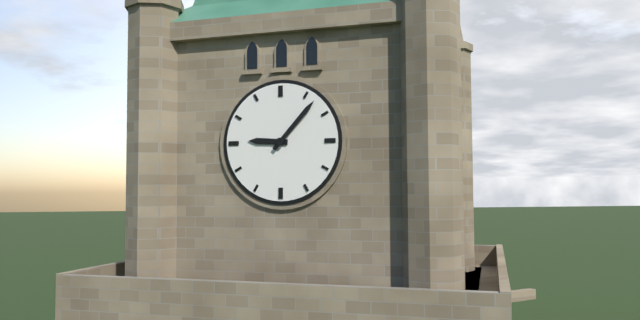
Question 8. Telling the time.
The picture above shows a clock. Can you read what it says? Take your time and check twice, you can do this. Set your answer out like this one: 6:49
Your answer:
9:07
